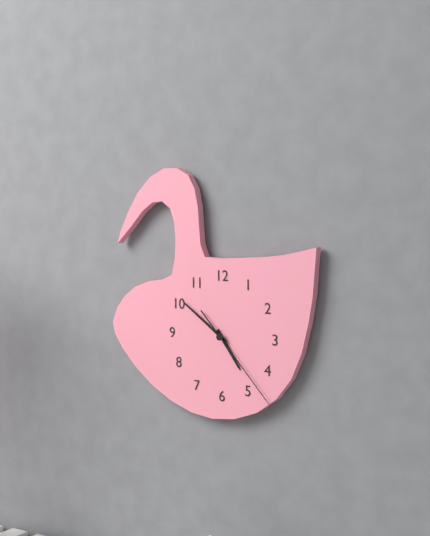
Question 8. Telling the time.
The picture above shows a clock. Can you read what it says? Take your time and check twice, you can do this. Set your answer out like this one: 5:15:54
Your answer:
4:51:23
